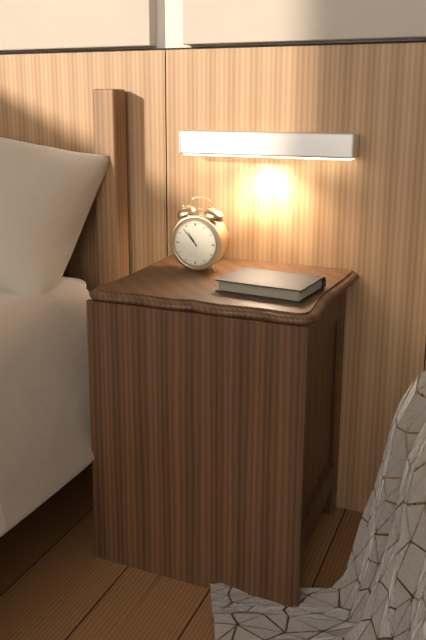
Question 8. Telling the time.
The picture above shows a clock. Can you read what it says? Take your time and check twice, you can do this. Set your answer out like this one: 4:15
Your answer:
10:53
